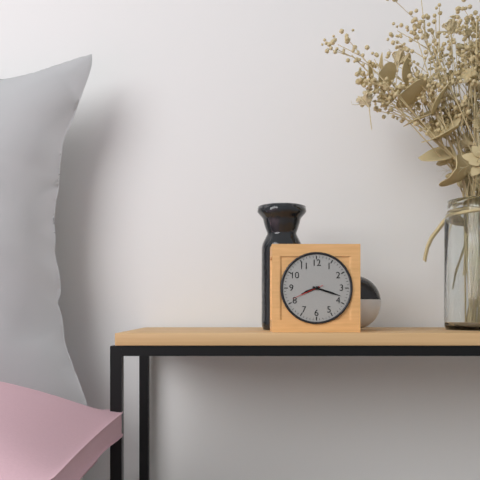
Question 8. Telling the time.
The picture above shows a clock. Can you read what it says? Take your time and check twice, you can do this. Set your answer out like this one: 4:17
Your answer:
8:18
